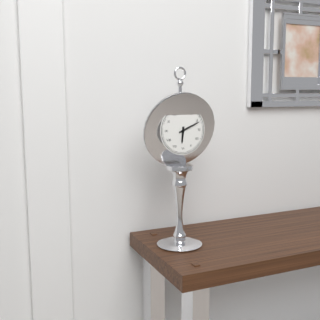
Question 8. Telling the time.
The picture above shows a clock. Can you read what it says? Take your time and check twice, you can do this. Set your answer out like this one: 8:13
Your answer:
6:11
